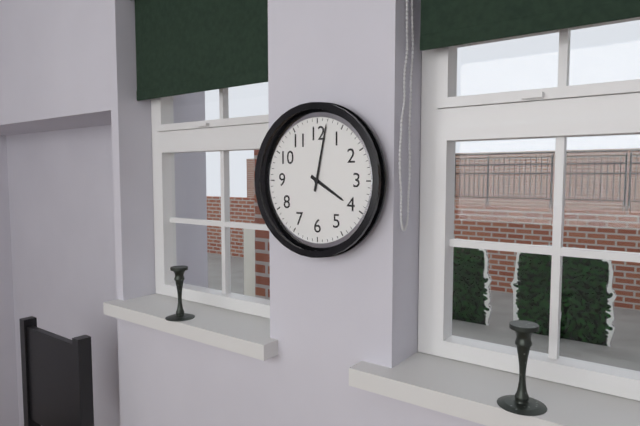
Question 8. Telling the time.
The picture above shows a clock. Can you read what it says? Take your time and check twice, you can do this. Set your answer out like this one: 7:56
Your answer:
4:02
